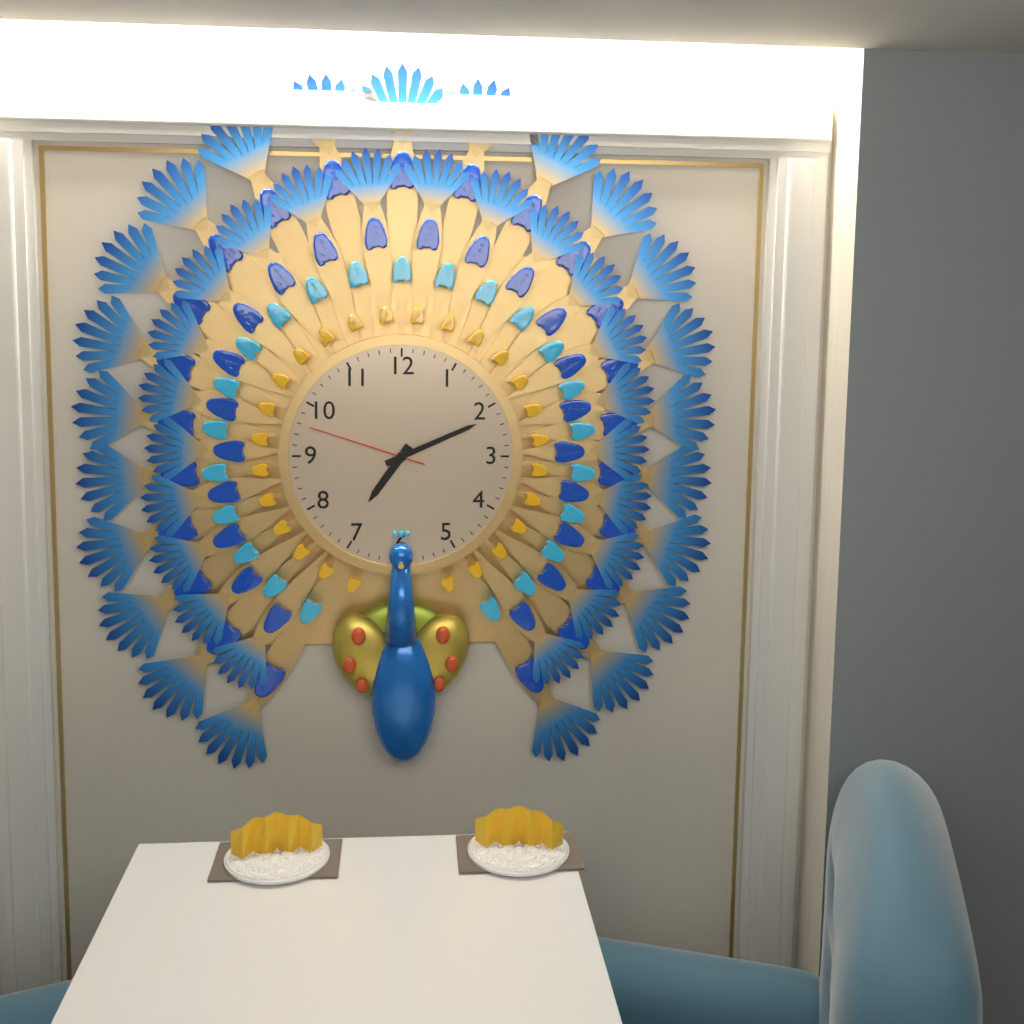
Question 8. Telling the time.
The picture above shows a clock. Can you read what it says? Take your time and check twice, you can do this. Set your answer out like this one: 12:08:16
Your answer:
7:11:48
